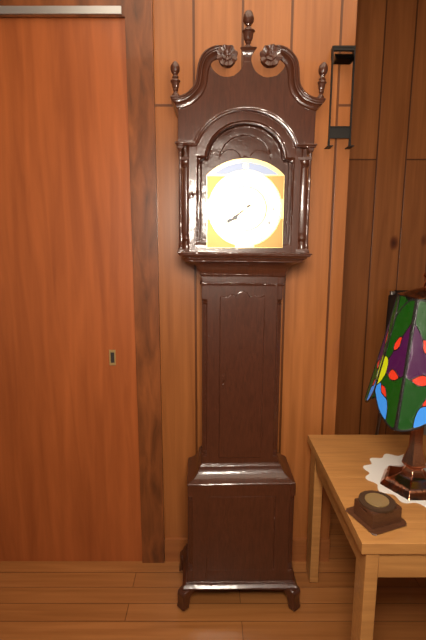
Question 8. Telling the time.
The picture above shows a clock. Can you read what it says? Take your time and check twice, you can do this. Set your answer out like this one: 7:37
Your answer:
7:39
